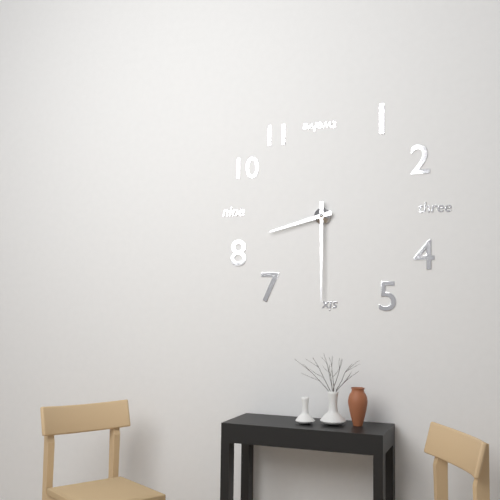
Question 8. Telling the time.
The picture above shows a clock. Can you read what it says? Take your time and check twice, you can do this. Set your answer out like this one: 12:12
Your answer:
8:30
